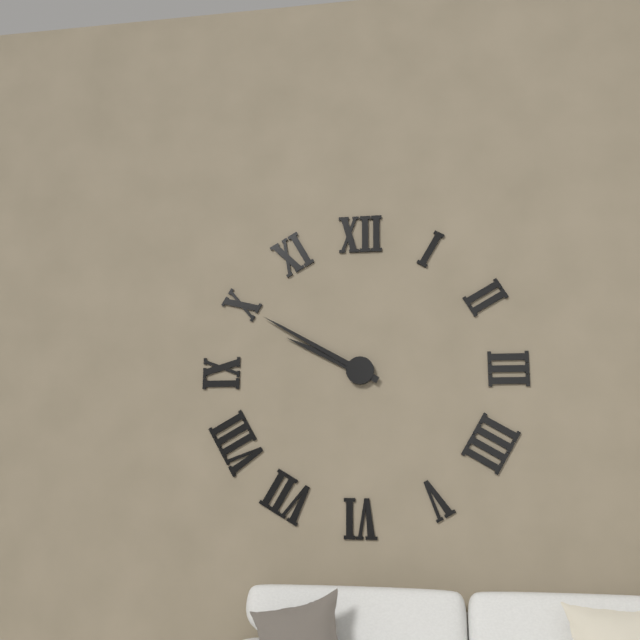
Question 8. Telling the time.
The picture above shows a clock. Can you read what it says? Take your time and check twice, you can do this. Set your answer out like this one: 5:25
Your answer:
9:50
